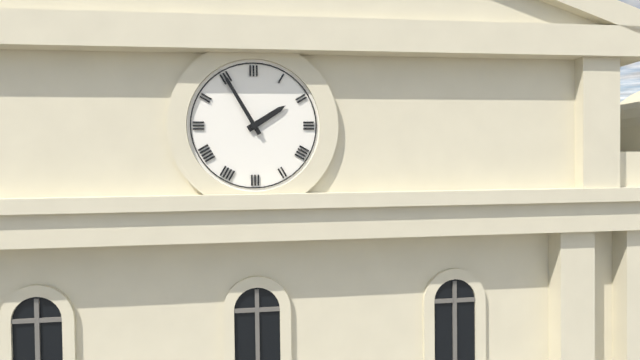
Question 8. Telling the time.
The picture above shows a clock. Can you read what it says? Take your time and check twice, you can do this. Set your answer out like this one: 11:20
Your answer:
1:55
